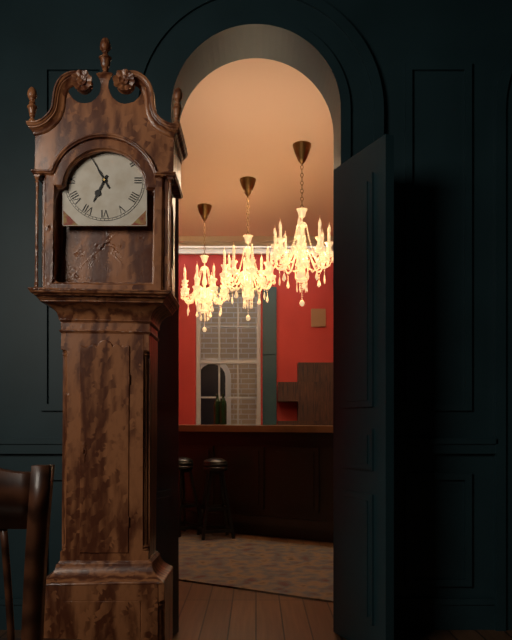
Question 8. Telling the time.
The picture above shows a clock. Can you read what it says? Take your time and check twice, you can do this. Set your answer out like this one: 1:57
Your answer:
6:55
